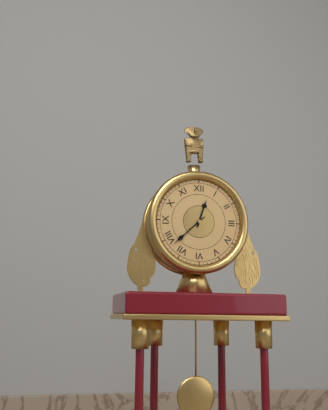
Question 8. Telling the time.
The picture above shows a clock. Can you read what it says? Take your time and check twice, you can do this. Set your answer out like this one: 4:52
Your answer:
12:38
